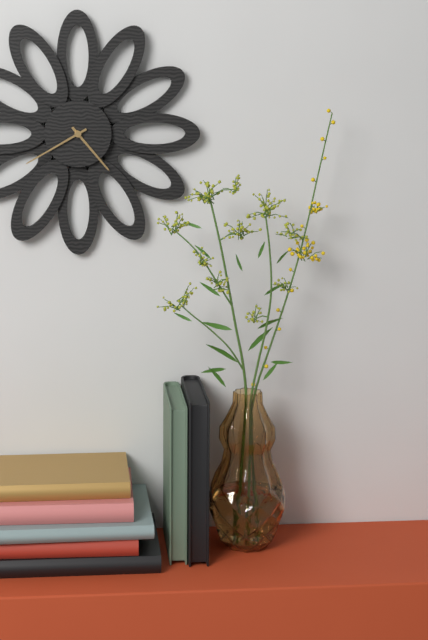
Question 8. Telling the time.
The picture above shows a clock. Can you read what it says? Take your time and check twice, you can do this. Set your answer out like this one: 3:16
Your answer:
4:40
